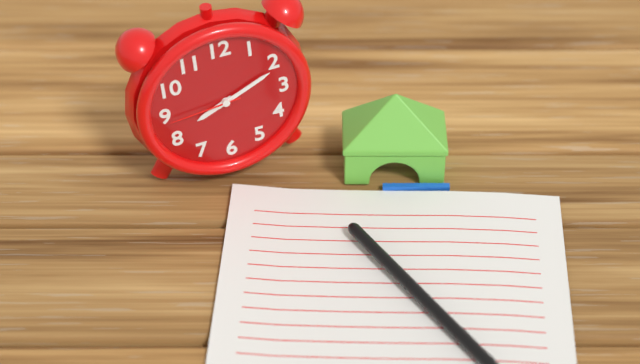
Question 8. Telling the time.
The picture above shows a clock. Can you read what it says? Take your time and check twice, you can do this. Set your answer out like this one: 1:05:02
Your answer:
8:11:44
